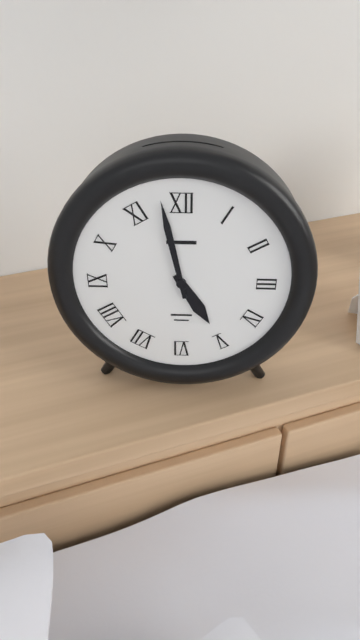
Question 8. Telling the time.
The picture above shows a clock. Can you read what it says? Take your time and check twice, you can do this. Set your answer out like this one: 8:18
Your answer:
4:58
